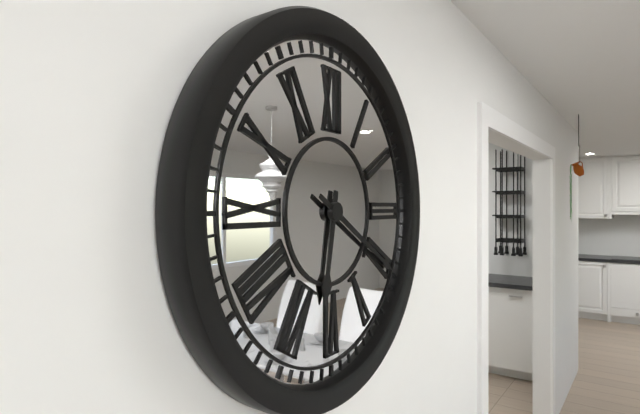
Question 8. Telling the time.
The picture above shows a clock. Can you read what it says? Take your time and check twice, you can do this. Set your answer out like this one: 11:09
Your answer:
6:20
